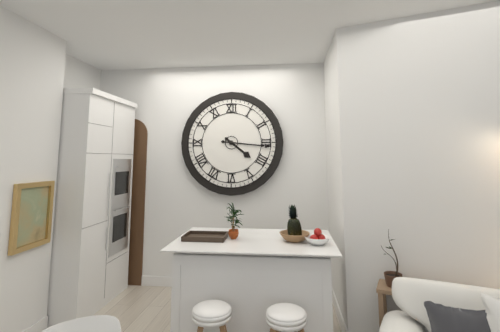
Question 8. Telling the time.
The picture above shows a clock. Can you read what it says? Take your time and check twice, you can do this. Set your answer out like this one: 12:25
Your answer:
4:16
